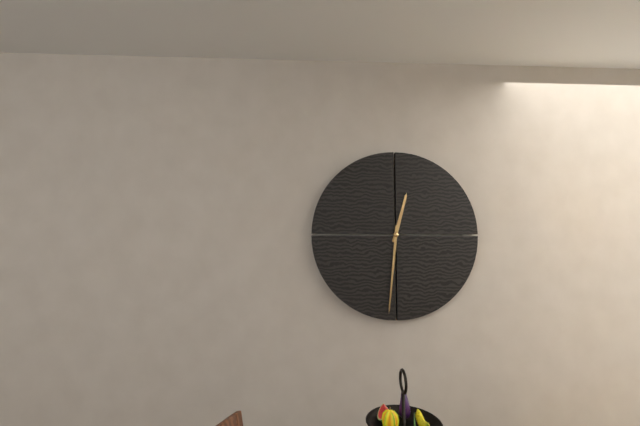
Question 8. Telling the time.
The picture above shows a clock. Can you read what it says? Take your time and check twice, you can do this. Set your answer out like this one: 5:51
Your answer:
12:31
